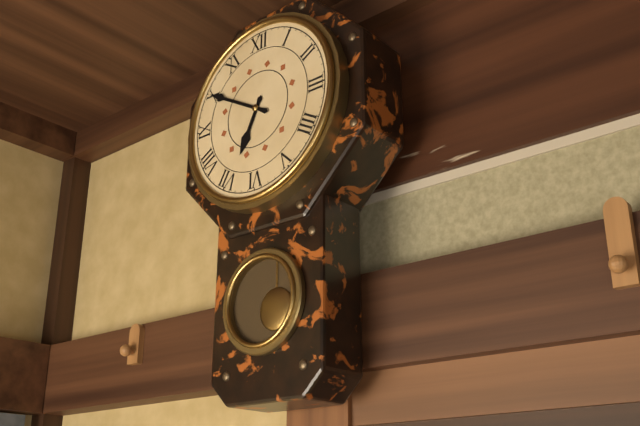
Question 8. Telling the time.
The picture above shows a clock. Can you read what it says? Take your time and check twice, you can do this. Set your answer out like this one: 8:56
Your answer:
6:50
